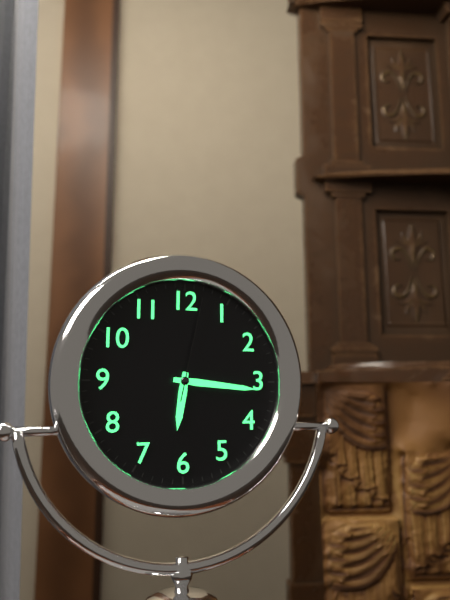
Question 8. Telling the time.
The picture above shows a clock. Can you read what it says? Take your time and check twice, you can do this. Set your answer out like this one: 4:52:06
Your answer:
6:16:02
